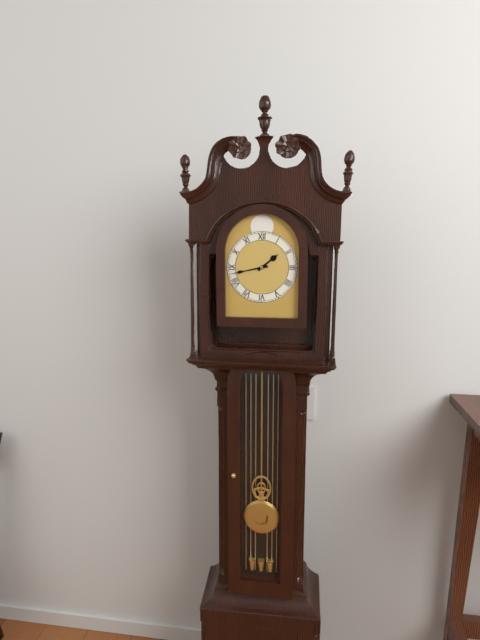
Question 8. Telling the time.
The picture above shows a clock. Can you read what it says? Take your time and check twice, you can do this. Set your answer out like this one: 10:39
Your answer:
1:43
